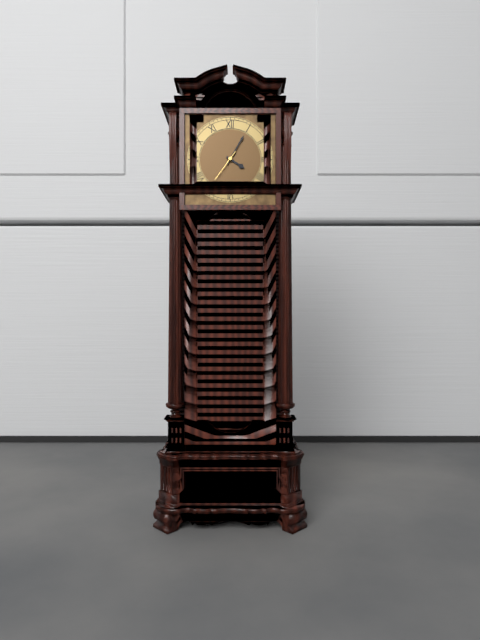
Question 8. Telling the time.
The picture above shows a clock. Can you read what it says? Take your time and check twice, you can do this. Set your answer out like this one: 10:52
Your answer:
4:05
